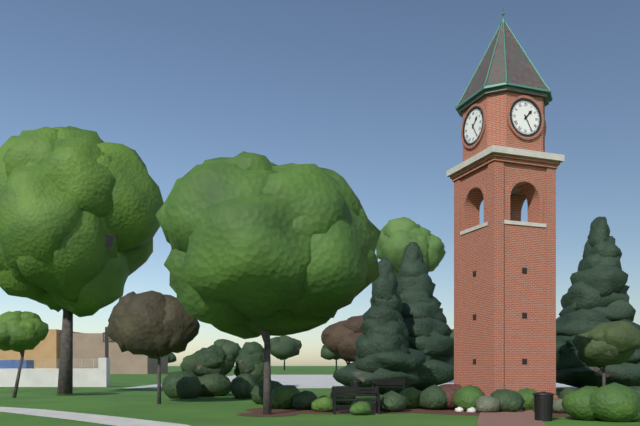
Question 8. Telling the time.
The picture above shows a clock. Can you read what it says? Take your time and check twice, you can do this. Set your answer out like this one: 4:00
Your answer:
1:25
